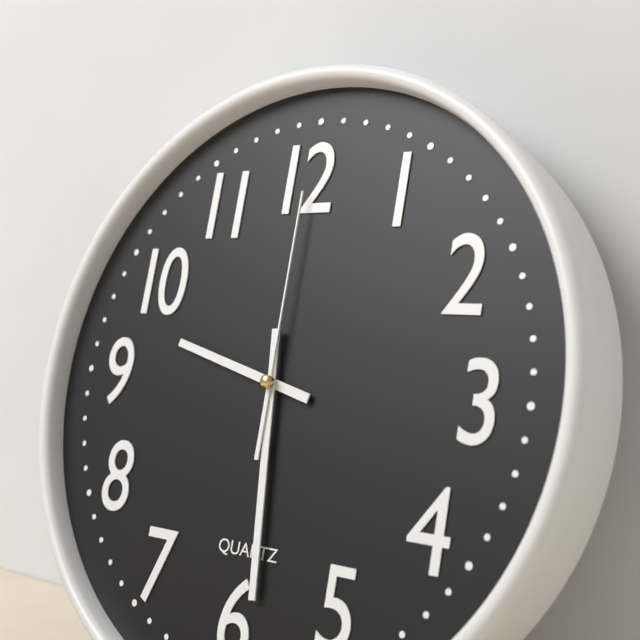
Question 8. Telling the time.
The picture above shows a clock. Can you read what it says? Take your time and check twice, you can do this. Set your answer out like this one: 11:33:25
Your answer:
9:29:00
